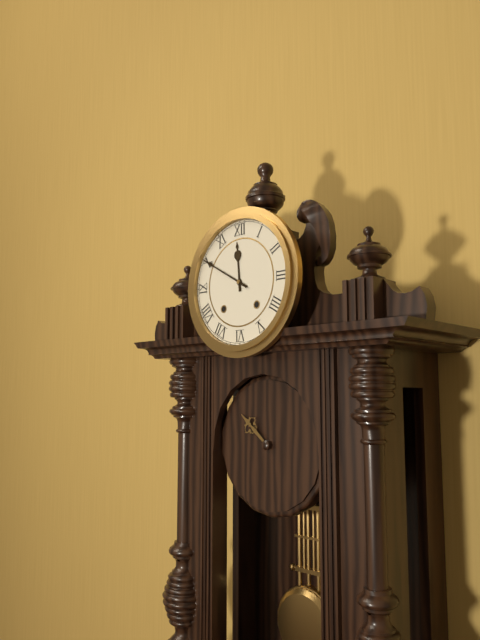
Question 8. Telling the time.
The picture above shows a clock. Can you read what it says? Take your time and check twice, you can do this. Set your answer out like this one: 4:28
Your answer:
11:50
